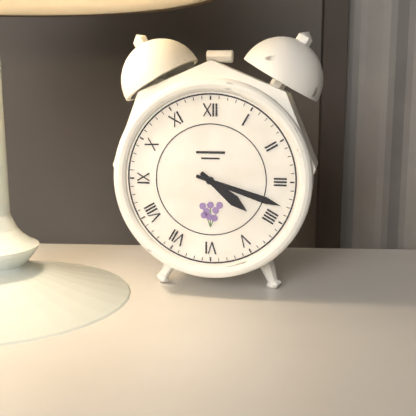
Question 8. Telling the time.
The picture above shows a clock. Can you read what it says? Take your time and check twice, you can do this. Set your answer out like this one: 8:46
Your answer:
4:18
